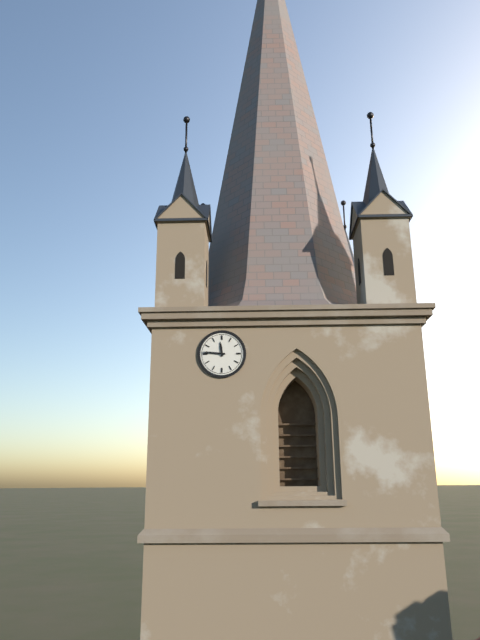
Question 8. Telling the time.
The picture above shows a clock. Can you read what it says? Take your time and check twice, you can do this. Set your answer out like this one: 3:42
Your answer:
11:46
